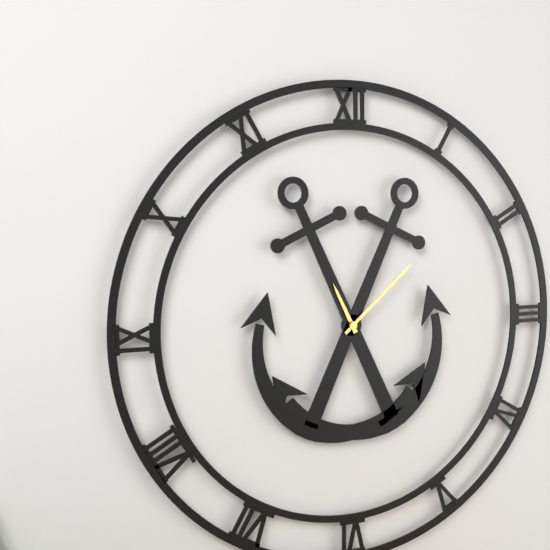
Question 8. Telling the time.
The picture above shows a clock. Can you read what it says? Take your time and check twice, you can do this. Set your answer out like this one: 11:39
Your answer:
11:08
